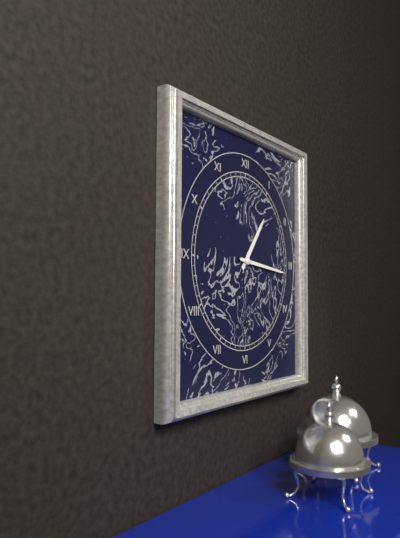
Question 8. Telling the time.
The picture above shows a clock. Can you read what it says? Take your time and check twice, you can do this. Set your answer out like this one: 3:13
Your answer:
1:16
